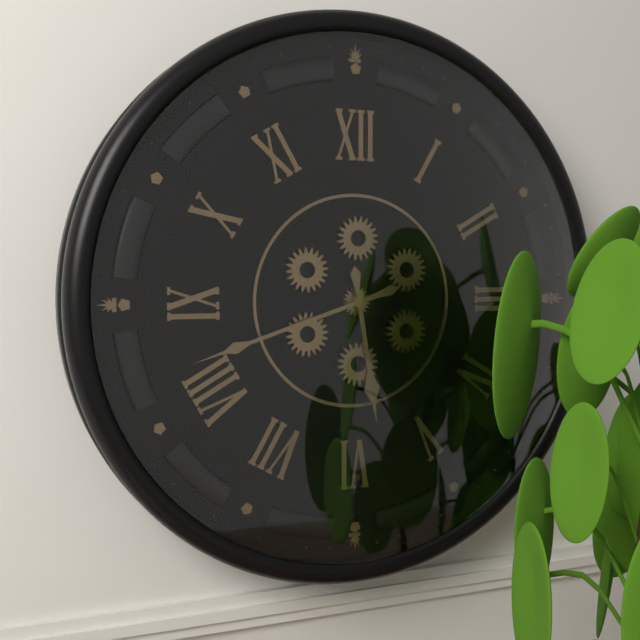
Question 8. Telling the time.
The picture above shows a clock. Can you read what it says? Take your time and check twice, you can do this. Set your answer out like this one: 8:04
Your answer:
5:42
